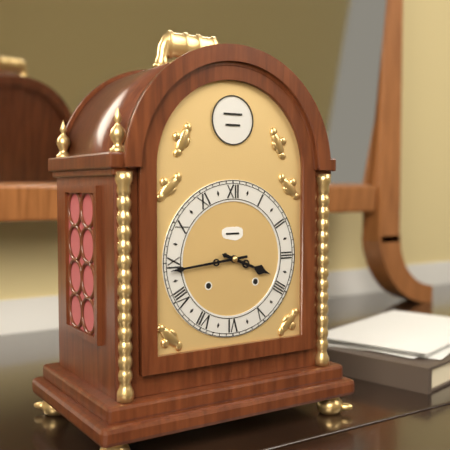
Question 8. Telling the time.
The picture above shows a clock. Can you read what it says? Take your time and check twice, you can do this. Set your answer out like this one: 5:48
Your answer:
3:44
